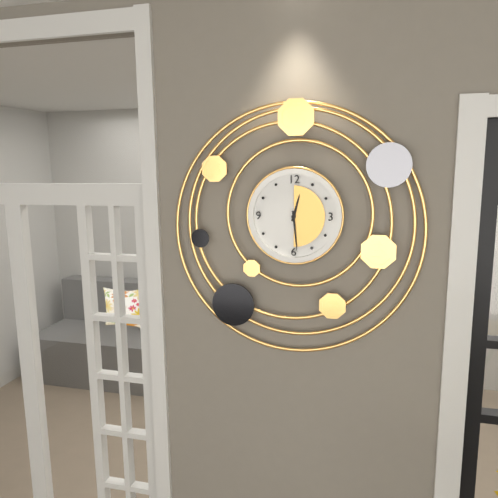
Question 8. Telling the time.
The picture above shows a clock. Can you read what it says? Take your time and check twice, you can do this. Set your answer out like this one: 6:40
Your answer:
12:29
